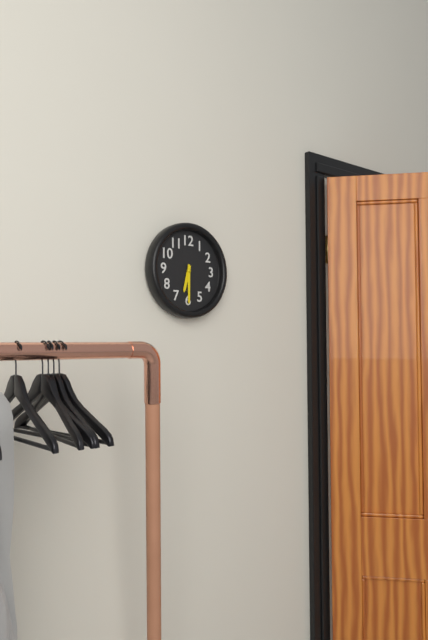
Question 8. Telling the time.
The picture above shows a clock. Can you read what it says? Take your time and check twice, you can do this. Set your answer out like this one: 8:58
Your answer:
6:30
